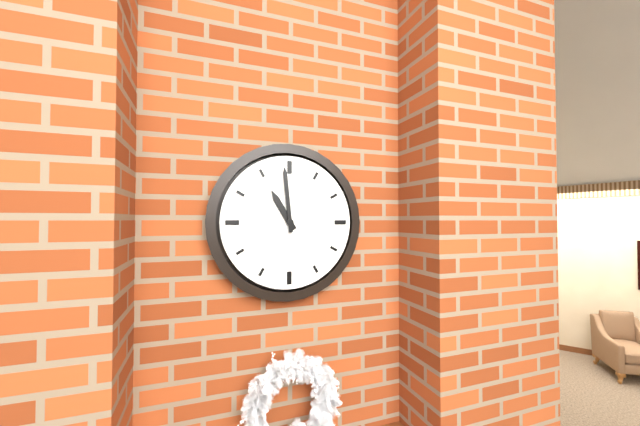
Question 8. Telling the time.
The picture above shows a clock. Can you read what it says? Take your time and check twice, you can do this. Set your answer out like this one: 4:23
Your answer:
10:59
